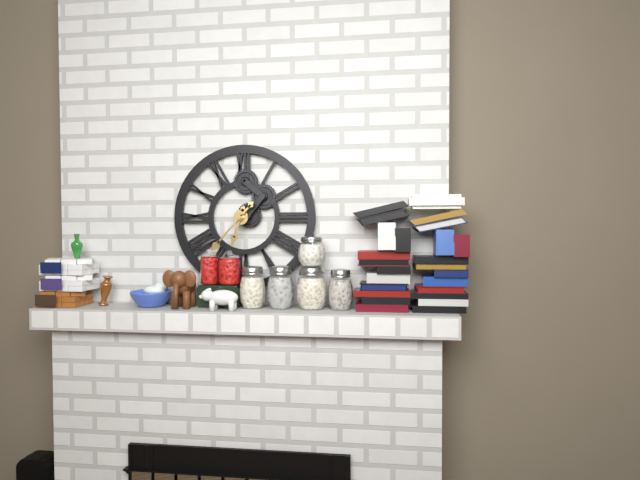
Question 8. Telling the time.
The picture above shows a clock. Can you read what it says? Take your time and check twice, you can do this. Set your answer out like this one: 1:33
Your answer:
6:37
